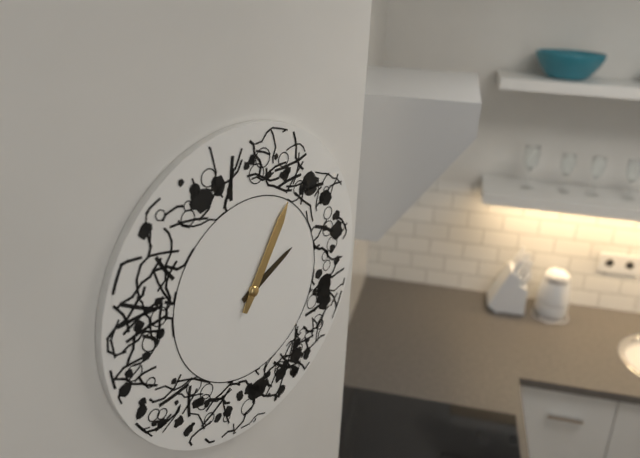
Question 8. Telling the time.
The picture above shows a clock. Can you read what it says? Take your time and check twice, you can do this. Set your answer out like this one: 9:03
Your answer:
2:05
